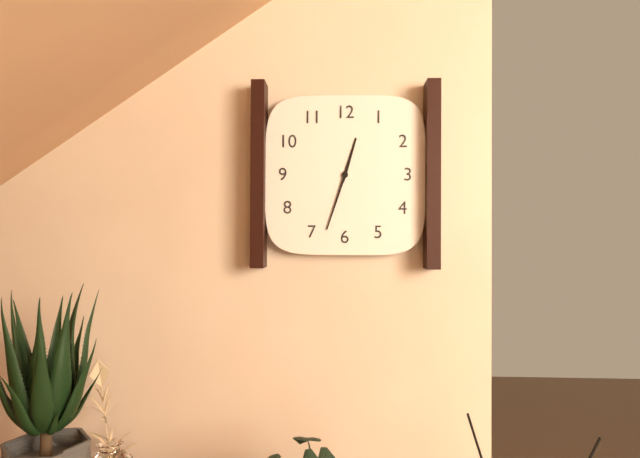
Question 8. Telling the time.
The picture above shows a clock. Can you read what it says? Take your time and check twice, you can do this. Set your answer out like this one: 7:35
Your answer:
12:33
